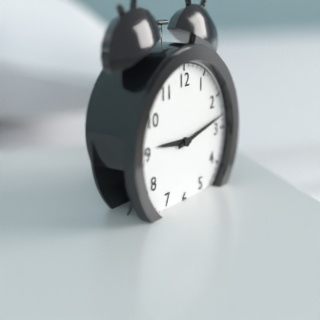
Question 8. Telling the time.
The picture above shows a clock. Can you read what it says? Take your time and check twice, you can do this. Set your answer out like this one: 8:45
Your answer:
9:13
